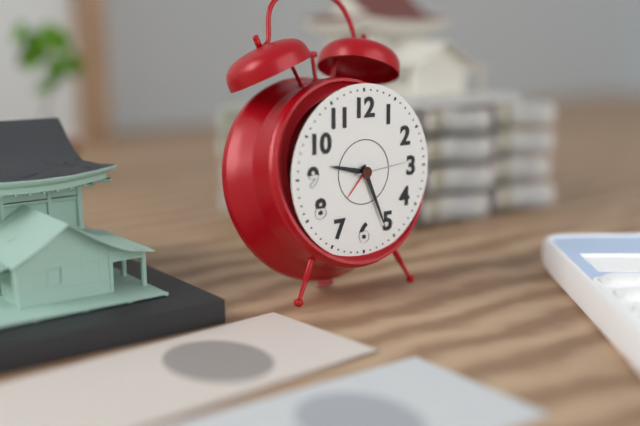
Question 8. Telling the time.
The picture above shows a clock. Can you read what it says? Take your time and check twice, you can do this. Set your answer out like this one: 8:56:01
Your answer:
9:26:14
